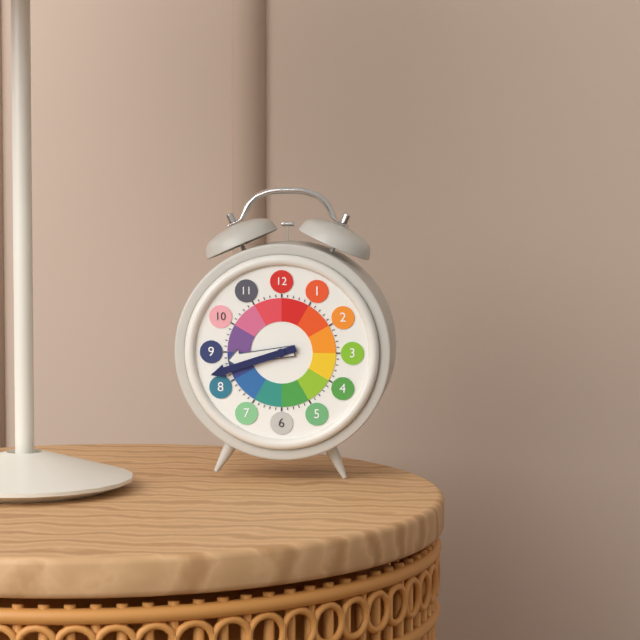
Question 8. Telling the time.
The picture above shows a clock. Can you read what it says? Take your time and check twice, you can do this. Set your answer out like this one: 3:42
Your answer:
8:42
